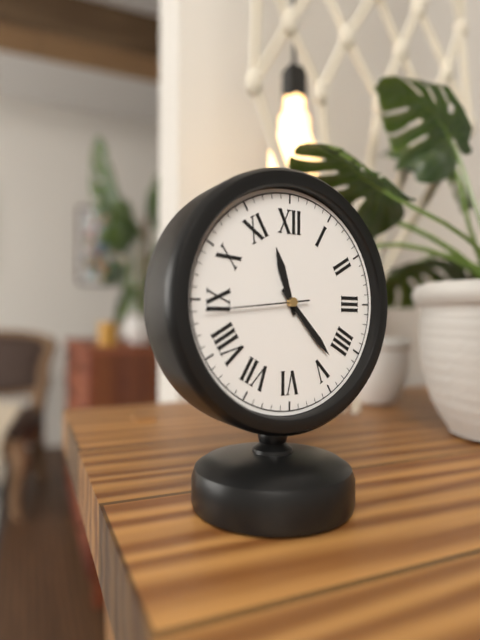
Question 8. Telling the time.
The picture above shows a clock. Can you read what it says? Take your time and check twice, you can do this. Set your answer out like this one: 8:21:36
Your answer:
11:23:44
